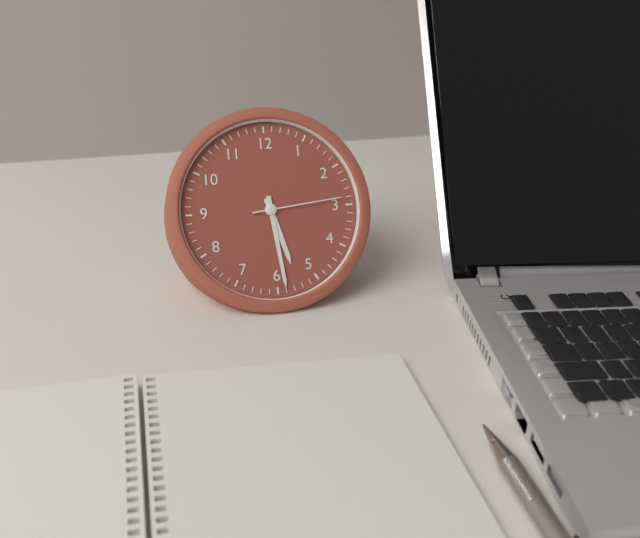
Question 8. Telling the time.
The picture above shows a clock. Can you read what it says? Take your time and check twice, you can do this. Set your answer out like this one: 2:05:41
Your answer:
5:29:14
